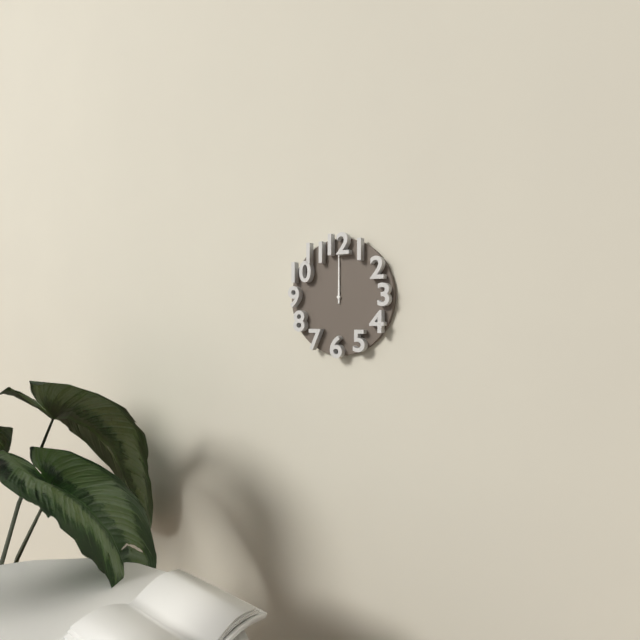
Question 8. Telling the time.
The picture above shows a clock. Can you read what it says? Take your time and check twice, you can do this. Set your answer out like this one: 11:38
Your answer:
12:00
